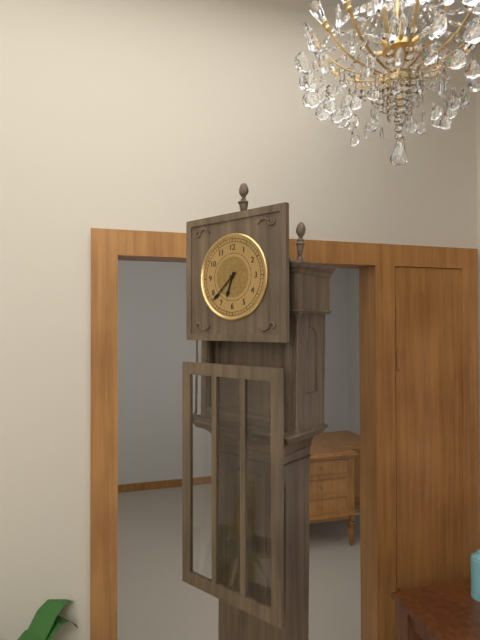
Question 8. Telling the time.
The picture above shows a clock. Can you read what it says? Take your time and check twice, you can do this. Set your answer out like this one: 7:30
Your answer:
6:38
